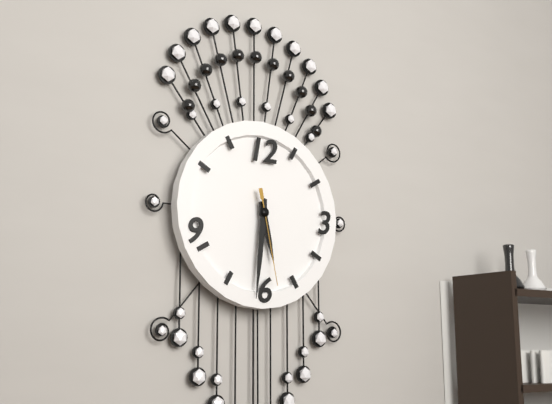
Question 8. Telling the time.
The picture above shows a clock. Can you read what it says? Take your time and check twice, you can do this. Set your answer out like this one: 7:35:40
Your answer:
5:31:28
